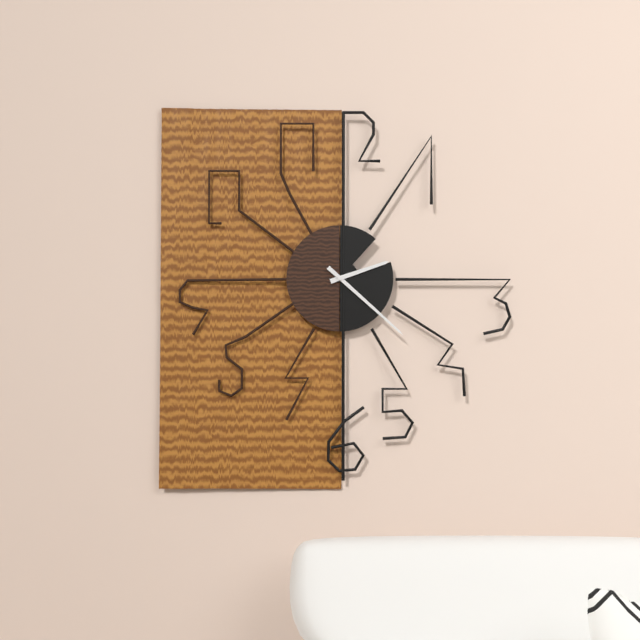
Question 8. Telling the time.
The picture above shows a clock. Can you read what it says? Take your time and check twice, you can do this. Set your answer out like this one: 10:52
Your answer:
2:22
